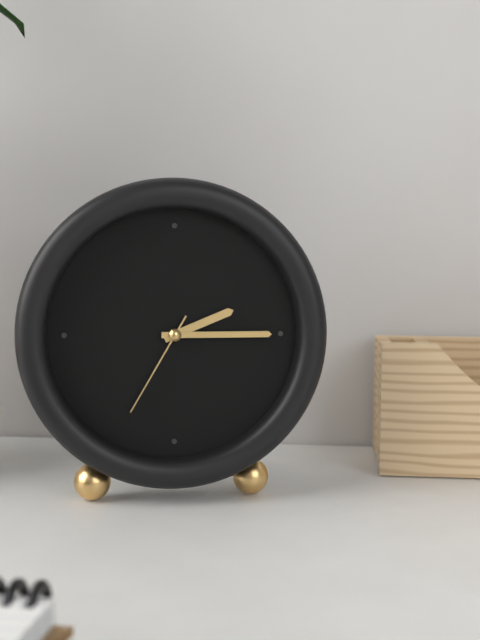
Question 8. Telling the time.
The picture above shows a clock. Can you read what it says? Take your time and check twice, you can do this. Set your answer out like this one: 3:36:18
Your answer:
2:15:35
